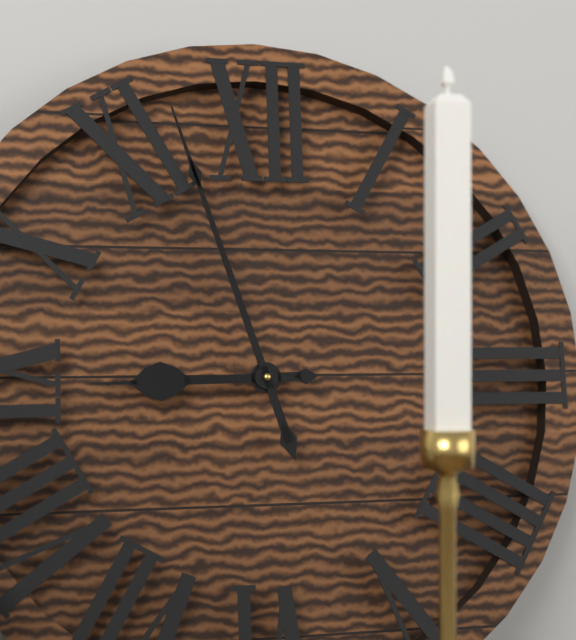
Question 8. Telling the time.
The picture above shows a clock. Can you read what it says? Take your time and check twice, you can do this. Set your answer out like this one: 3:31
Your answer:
8:57
